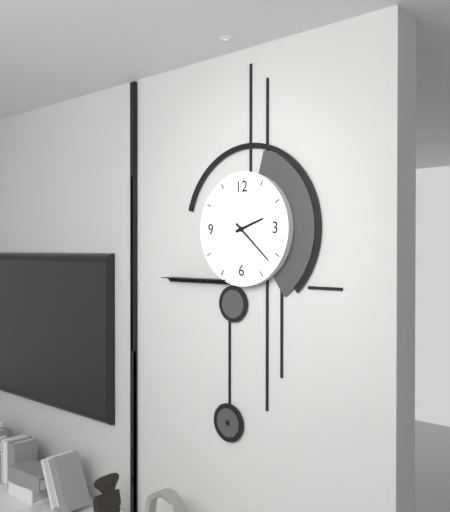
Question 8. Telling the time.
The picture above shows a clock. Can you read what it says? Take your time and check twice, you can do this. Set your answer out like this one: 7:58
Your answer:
2:22
